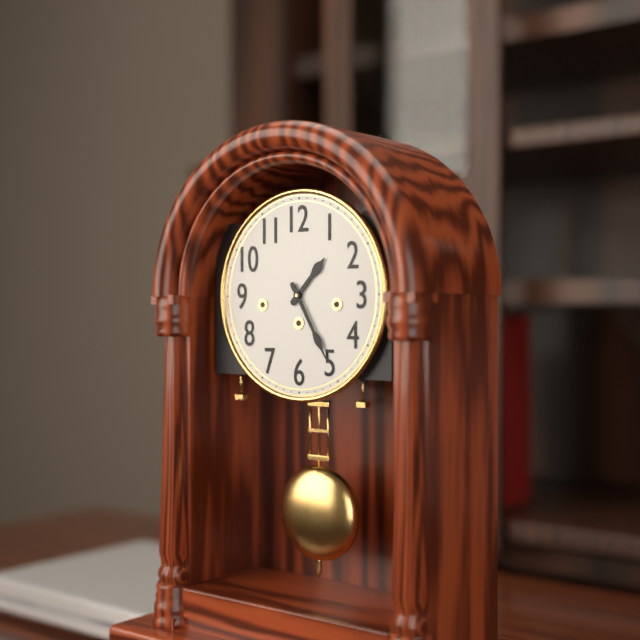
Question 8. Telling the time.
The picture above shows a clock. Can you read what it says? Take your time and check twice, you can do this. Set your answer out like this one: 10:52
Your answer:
1:25
